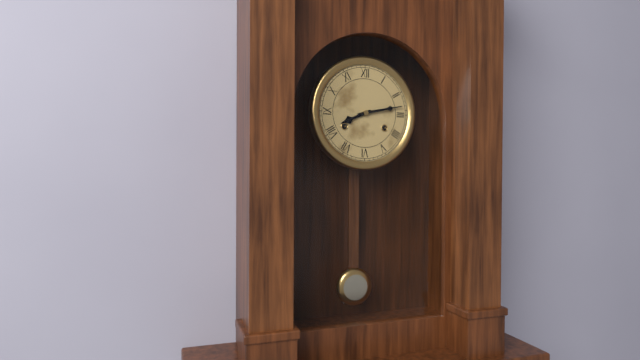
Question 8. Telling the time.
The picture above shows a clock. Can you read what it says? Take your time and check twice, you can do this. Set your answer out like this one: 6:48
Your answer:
8:13
